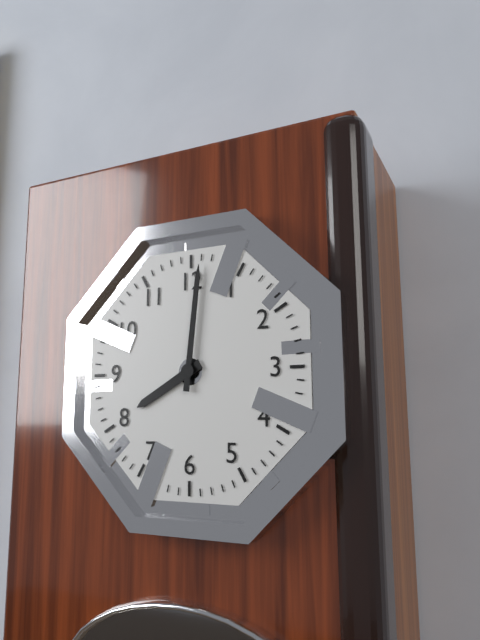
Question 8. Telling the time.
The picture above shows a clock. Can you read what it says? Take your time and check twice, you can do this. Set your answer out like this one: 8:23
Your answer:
8:01
